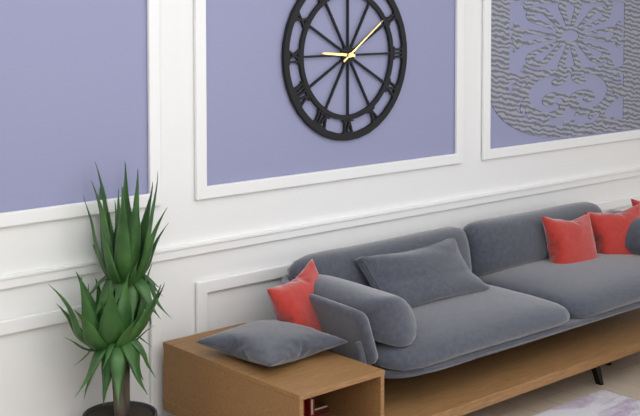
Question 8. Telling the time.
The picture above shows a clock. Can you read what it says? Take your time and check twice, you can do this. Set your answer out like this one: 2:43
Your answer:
9:09
